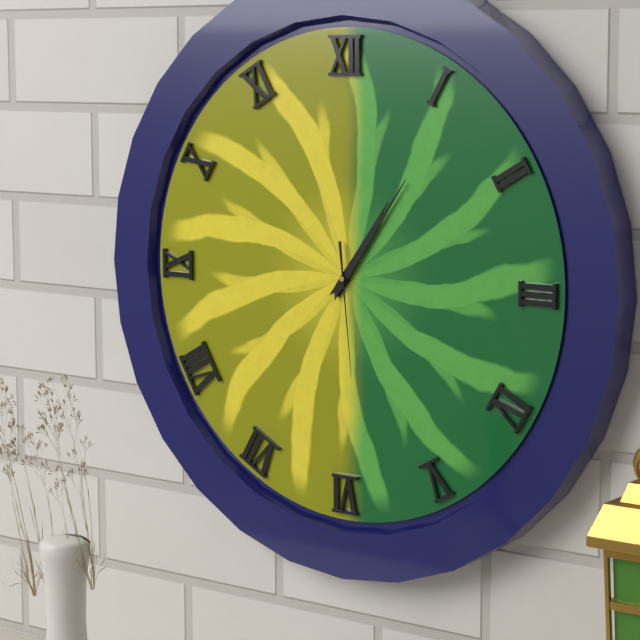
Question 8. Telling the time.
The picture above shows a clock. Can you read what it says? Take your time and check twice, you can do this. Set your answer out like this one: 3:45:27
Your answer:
1:06:29
